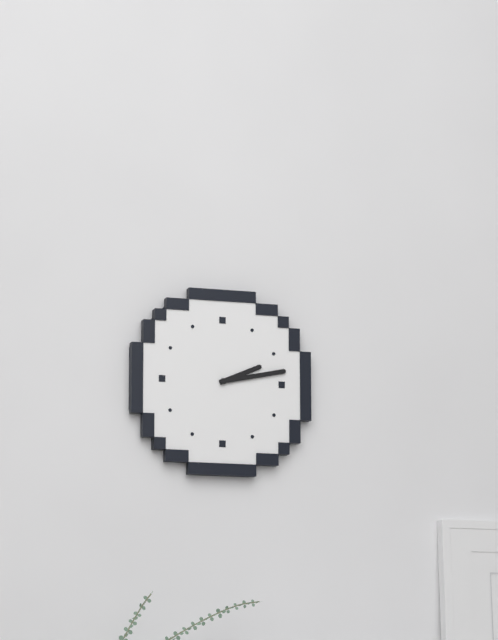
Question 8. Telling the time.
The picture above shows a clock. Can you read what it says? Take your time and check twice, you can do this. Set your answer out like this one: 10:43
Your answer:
2:13
